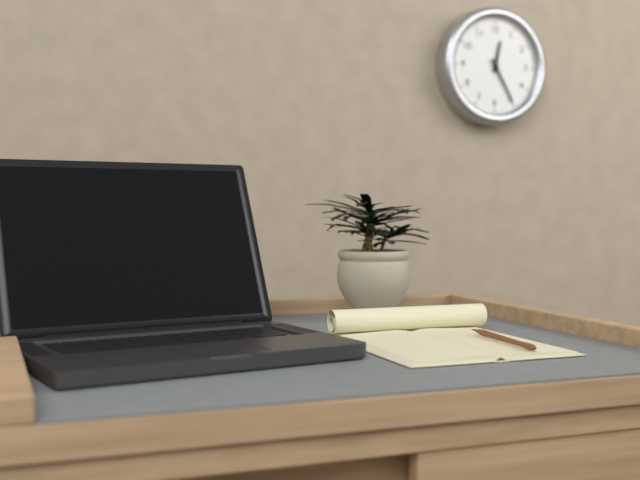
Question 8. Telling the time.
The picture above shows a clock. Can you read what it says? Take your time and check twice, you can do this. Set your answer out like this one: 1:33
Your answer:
12:25
